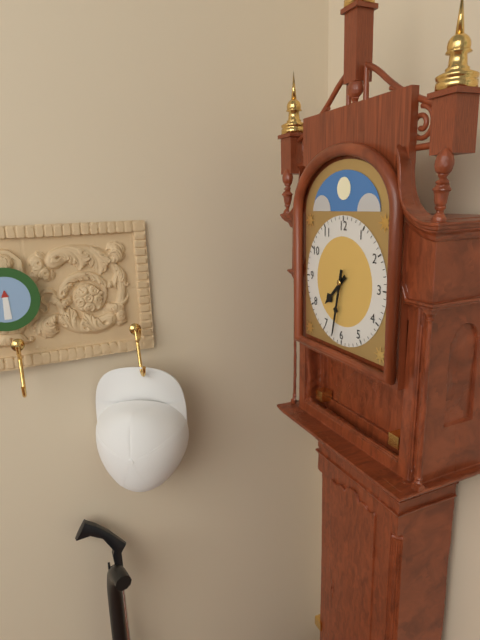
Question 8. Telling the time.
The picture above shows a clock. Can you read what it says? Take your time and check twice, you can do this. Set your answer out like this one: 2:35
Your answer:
7:32
